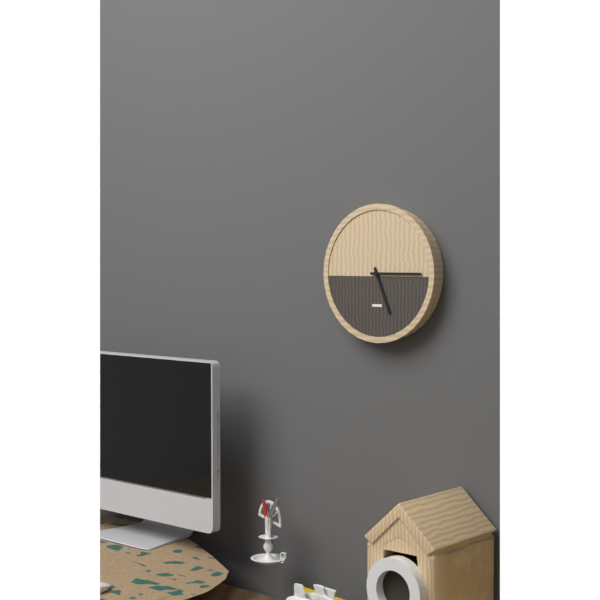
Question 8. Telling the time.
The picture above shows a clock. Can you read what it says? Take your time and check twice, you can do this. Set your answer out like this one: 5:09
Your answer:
5:15
